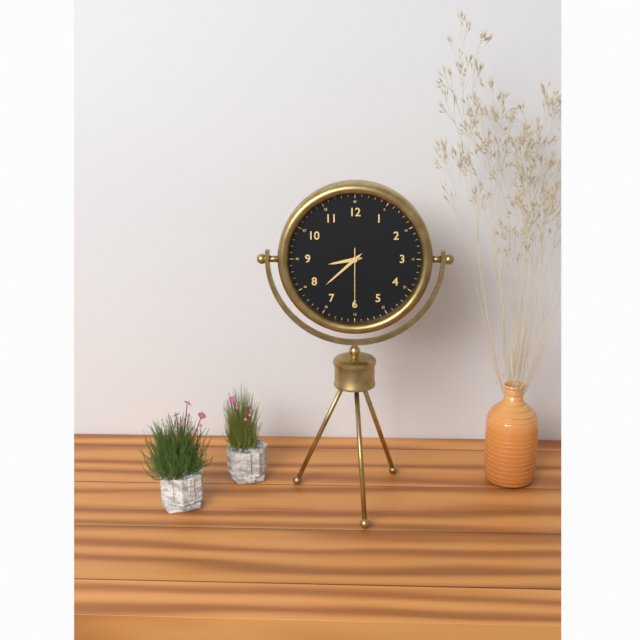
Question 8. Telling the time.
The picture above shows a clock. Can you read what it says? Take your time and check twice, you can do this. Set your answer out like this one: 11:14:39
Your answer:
8:38:30
